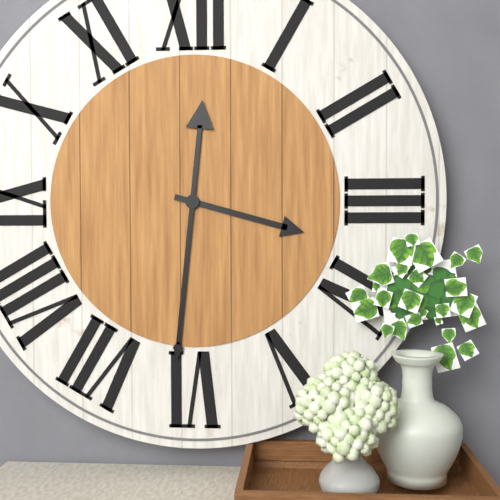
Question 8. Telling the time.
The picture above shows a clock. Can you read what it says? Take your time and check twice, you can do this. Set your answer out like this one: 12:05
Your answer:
3:31
